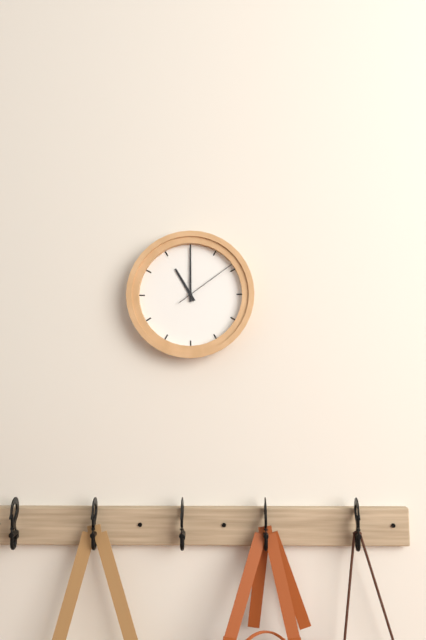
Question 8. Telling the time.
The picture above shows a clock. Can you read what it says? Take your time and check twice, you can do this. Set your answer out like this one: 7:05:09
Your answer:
11:00:09
